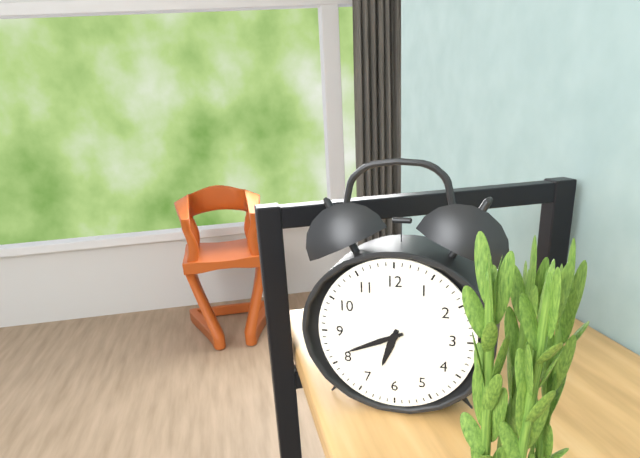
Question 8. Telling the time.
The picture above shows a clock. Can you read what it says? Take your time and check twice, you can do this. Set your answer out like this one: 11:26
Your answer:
6:41
